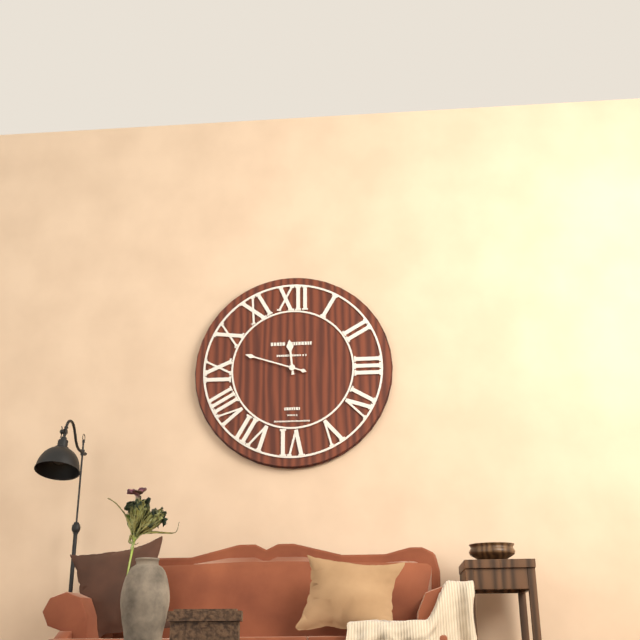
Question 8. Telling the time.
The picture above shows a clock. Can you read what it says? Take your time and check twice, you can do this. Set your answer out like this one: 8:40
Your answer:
11:48
